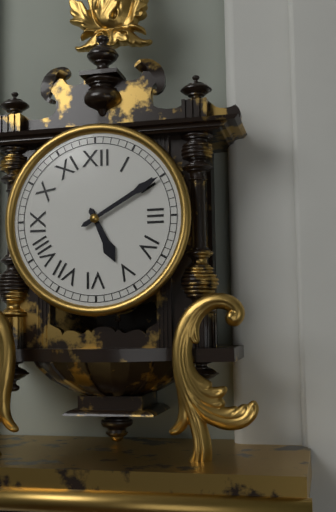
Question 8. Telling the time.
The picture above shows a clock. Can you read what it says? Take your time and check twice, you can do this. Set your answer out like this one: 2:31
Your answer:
5:10
